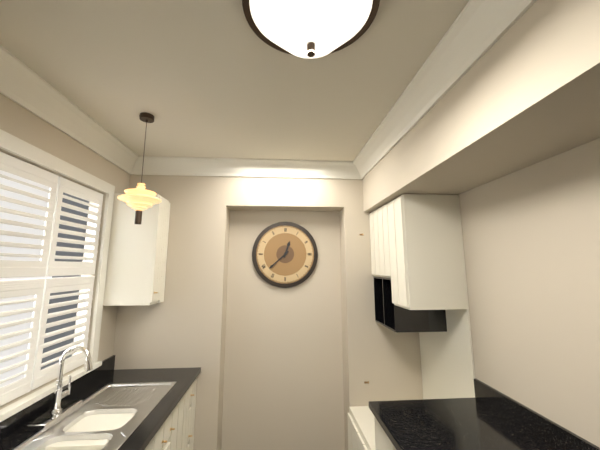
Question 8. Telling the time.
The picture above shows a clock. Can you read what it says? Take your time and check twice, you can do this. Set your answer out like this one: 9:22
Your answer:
12:38
